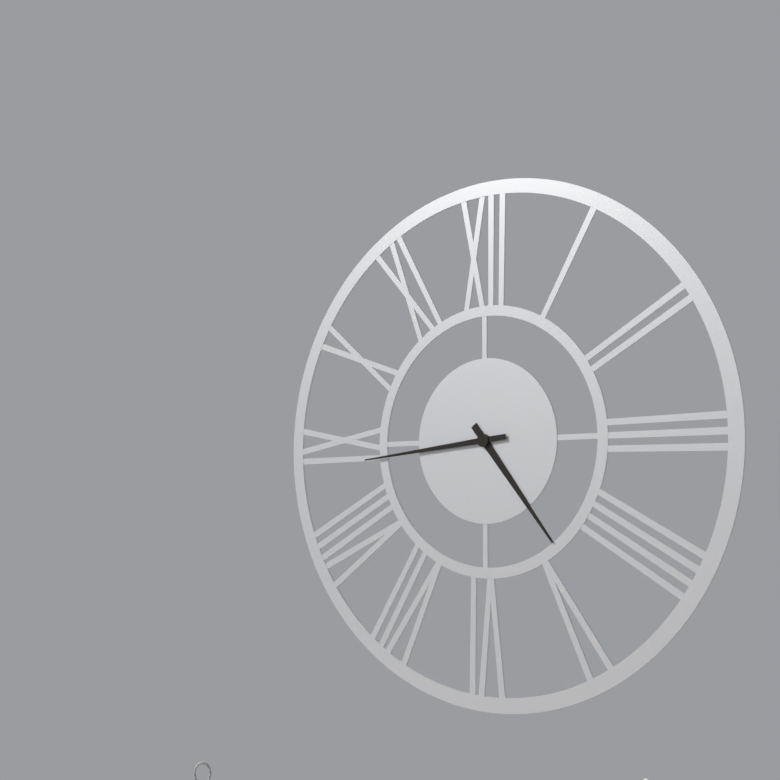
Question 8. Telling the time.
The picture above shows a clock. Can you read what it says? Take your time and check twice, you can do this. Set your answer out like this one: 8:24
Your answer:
4:44
